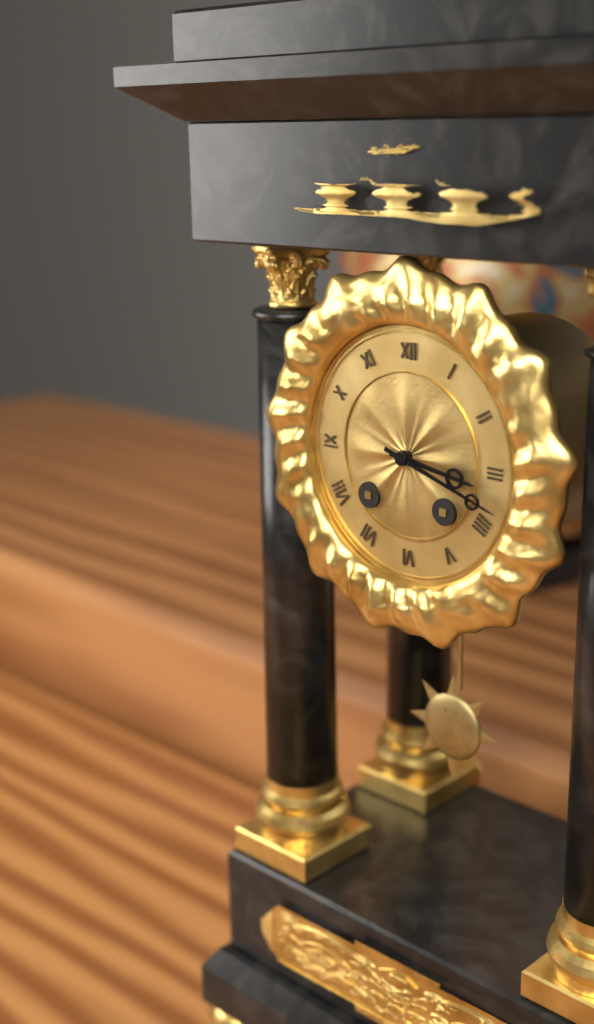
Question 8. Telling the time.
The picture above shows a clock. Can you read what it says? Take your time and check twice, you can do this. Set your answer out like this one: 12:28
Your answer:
3:18
